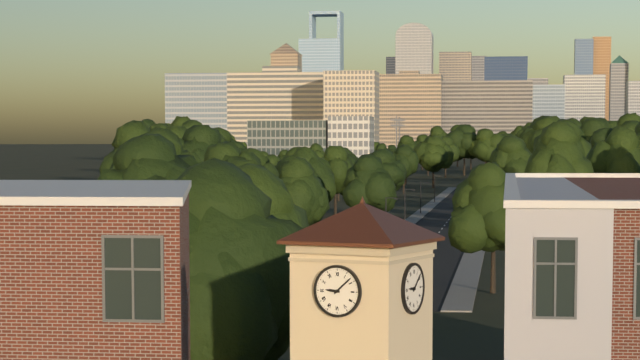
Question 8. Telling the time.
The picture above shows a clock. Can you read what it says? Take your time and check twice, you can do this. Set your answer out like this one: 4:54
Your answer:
9:08
